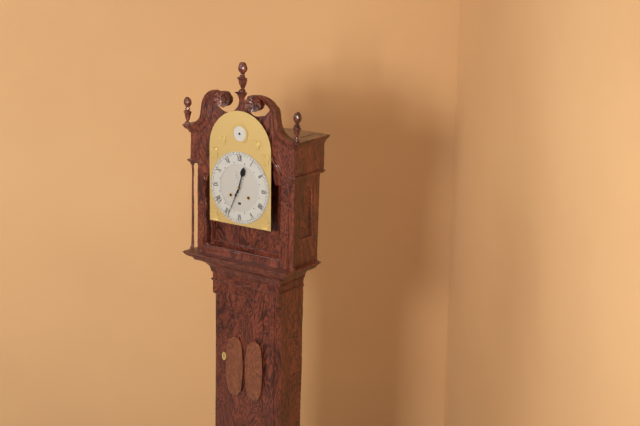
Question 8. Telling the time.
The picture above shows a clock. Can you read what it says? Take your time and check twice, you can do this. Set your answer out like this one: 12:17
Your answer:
12:34
